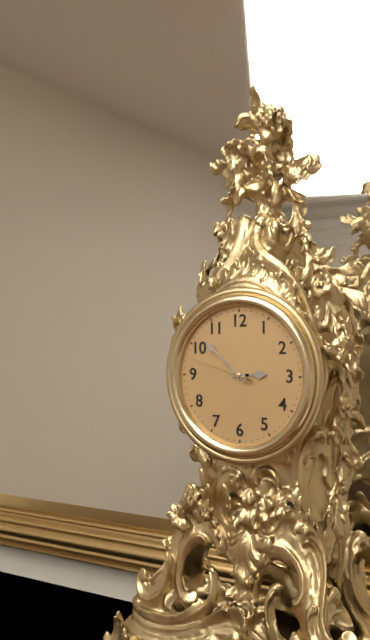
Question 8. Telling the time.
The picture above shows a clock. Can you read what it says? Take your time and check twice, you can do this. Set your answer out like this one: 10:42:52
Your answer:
2:52:48
